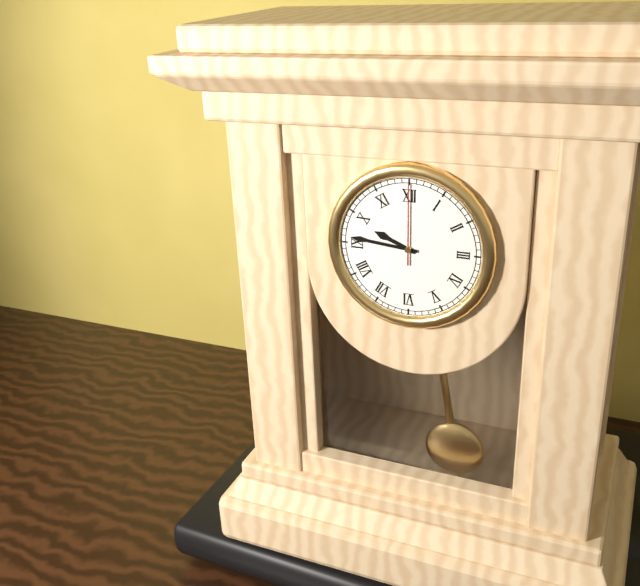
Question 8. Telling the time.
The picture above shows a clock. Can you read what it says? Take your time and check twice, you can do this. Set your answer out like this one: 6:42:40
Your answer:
9:46:00
